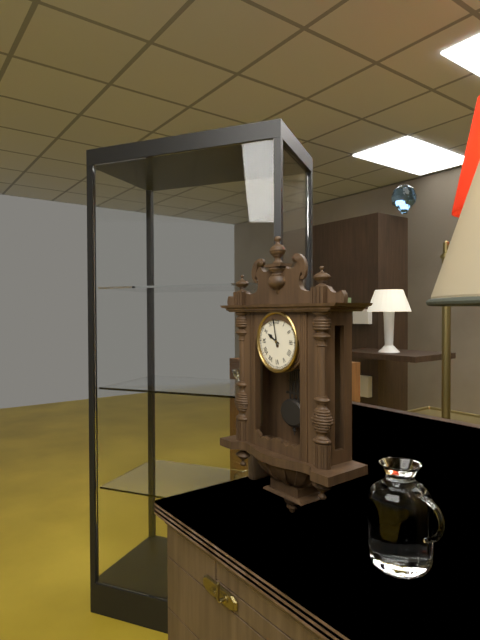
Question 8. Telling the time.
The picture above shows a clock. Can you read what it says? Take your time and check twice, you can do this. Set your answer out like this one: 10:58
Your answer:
9:58
